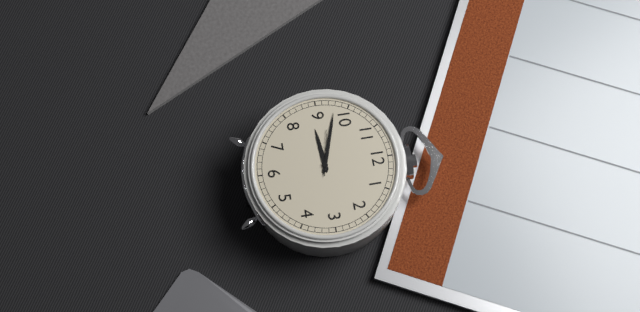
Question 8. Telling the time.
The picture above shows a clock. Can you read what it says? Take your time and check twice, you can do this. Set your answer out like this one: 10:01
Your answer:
8:48
